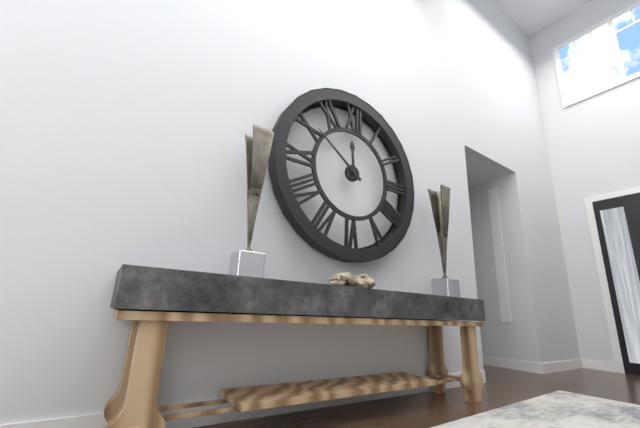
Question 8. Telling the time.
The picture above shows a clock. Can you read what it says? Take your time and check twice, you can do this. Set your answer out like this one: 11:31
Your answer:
11:51
